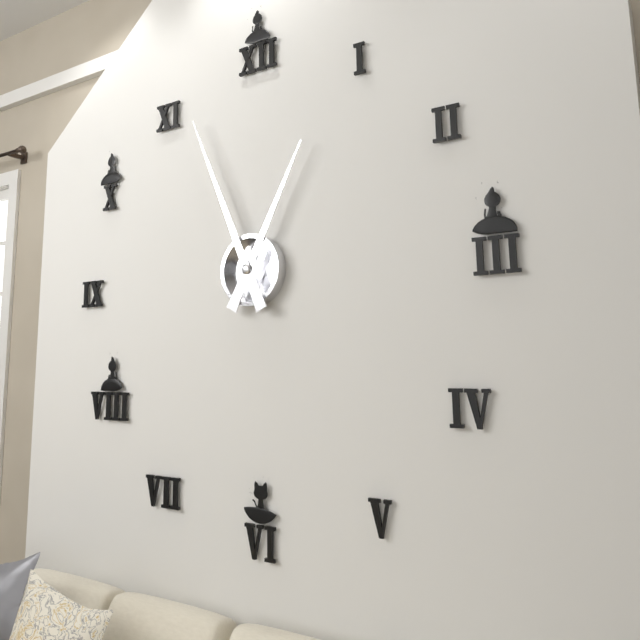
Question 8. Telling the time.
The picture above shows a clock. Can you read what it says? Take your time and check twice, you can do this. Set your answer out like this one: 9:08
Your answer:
12:56
